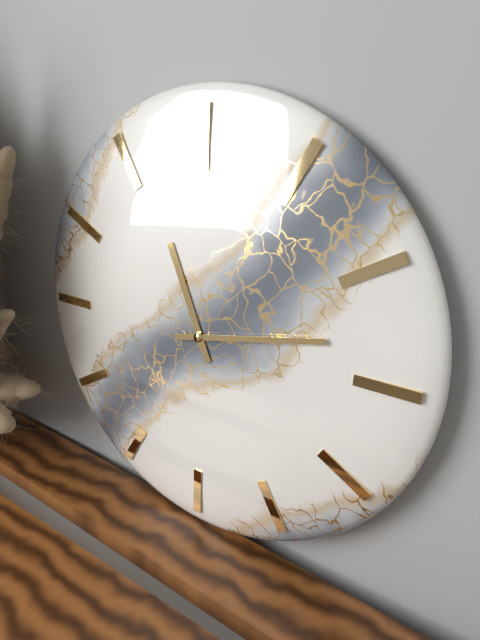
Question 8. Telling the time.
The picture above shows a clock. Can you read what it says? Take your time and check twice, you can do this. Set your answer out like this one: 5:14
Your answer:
11:13
